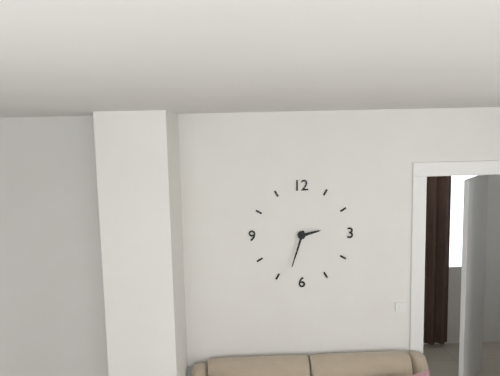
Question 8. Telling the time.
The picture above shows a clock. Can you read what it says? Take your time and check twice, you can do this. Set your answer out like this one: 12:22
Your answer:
2:33
